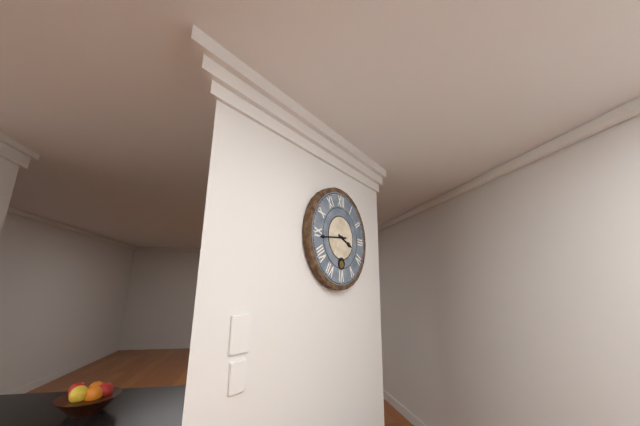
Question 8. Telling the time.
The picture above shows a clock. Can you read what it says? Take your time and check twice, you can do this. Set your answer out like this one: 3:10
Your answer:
3:44
